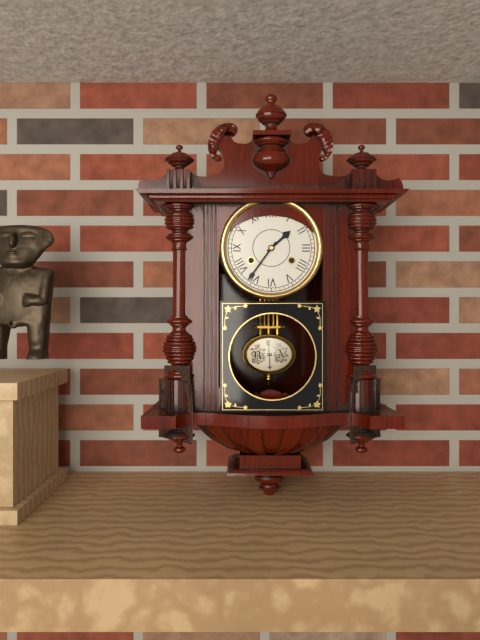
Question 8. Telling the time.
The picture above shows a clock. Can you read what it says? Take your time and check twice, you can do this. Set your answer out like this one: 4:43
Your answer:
1:36
